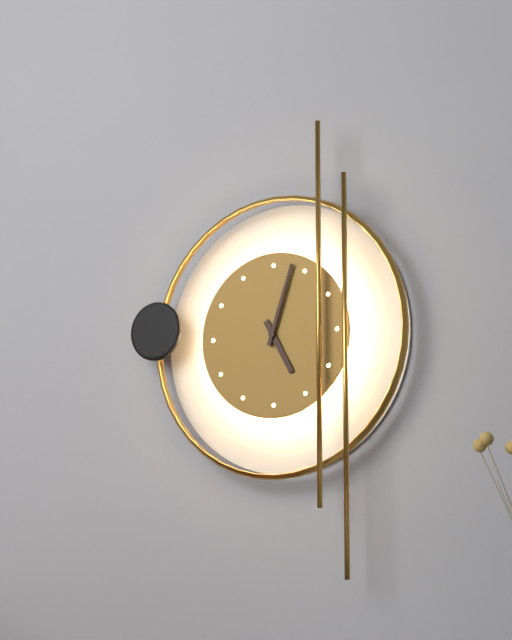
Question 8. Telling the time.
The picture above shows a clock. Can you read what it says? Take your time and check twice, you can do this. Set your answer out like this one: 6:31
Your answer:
5:03
